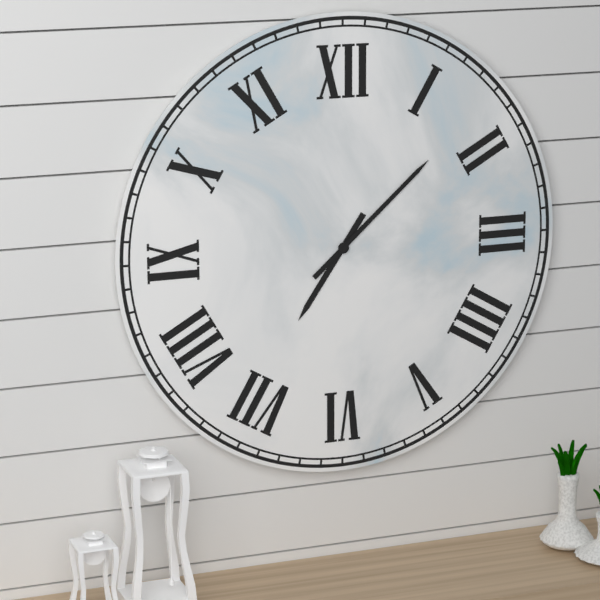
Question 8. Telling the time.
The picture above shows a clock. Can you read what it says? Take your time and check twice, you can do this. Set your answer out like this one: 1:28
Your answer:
7:08
